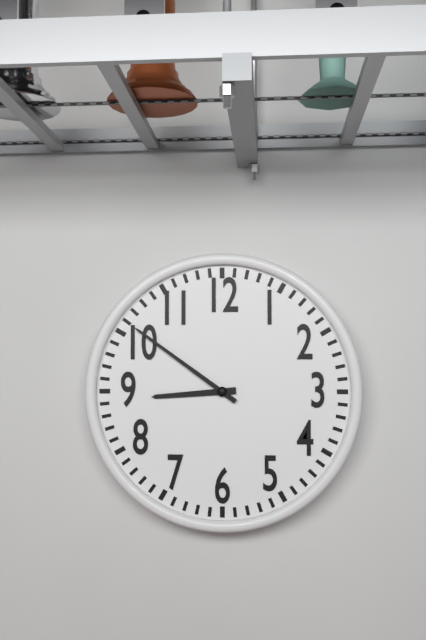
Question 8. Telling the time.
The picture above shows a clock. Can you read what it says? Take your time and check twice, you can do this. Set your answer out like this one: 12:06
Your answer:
8:51
